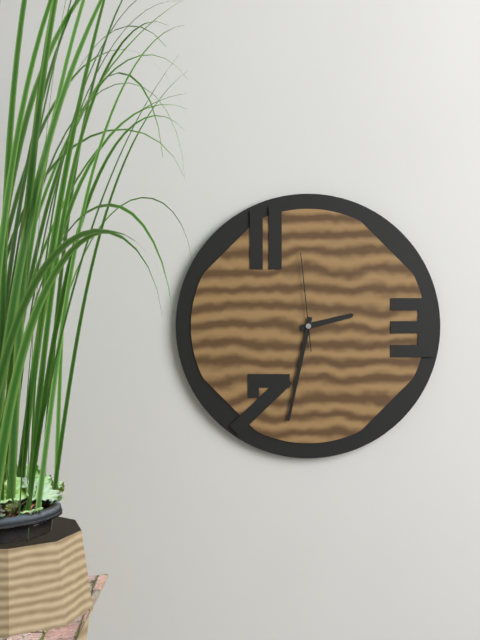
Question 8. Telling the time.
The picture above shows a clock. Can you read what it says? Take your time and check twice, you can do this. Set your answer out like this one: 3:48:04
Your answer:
2:32:59
